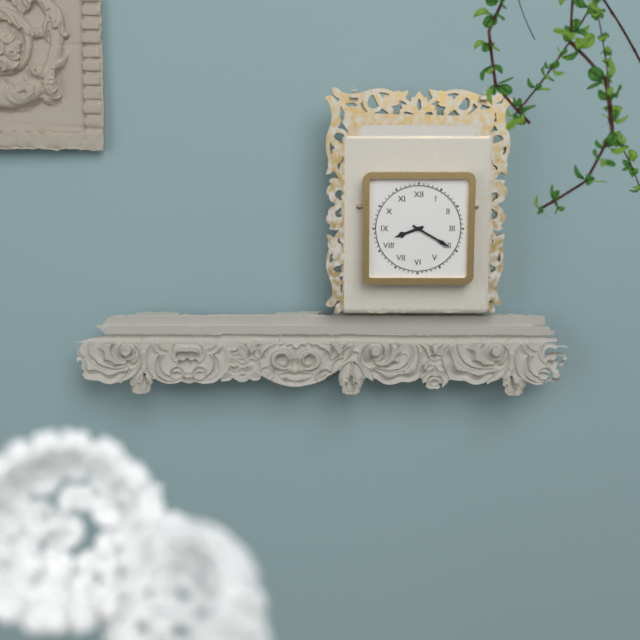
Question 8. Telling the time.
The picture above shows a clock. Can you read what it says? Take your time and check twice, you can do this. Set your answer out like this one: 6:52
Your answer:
8:20
